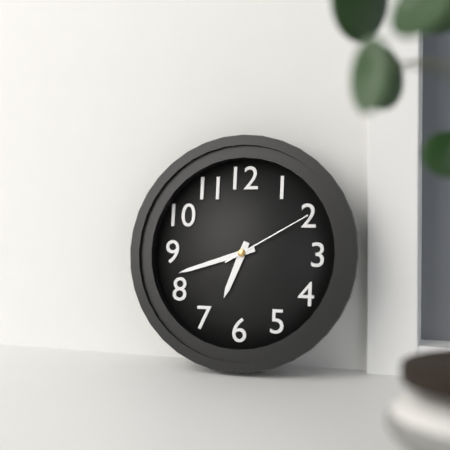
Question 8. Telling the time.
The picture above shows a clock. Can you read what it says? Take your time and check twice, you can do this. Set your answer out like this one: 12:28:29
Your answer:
6:42:10
